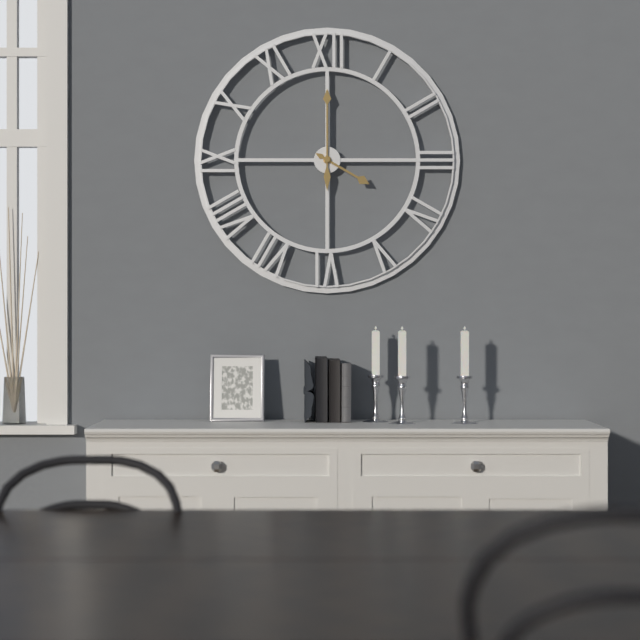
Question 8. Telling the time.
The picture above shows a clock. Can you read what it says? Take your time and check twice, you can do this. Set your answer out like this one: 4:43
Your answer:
4:00
